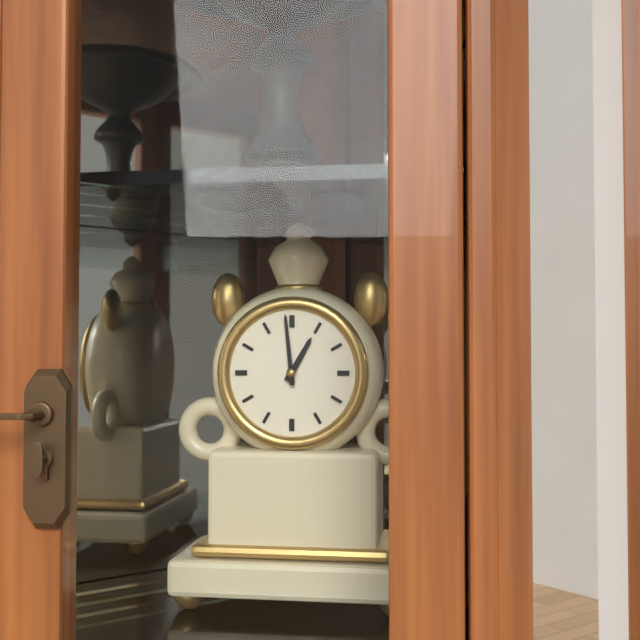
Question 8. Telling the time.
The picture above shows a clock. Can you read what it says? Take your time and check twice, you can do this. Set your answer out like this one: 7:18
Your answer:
12:59
